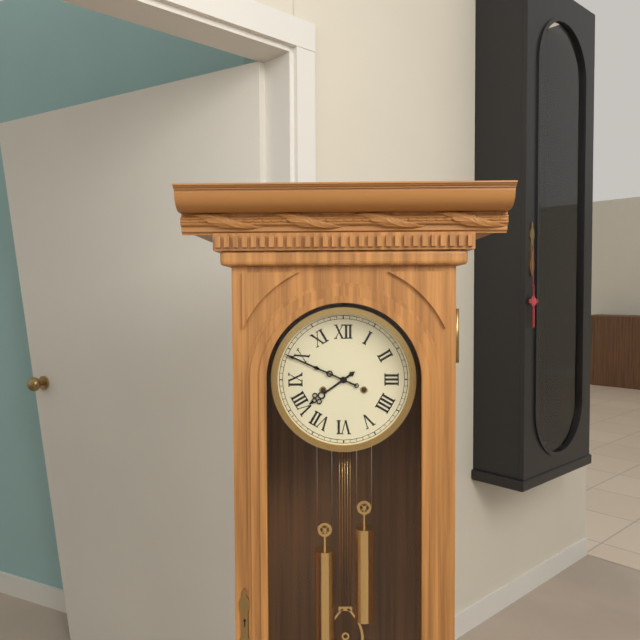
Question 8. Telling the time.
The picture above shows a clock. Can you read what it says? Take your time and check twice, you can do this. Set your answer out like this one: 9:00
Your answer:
7:49
